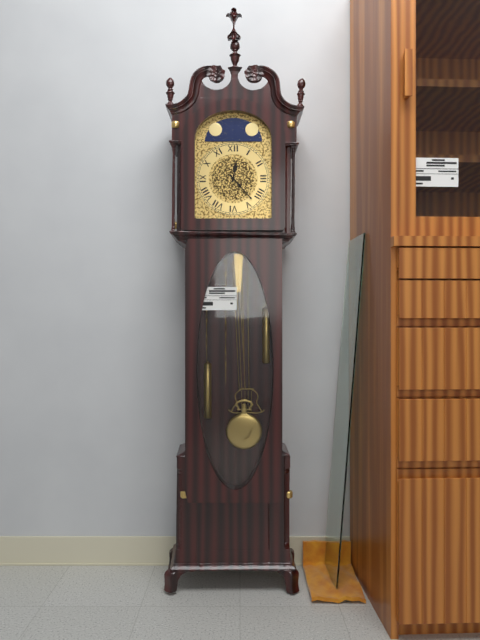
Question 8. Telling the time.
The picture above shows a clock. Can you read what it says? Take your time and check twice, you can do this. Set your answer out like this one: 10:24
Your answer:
12:23
